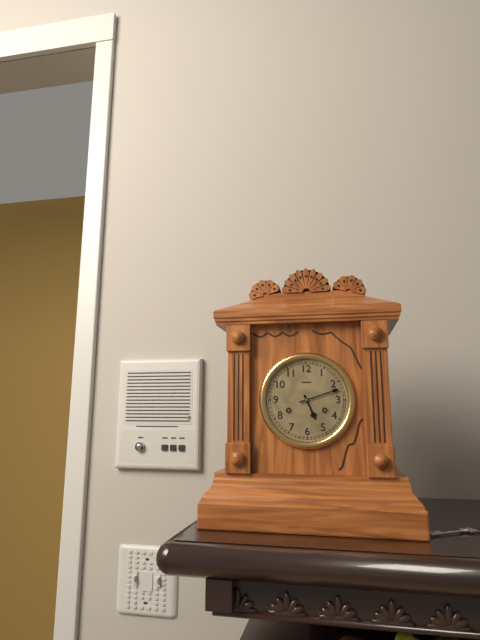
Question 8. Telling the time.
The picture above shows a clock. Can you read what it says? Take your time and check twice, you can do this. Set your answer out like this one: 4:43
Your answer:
5:12
